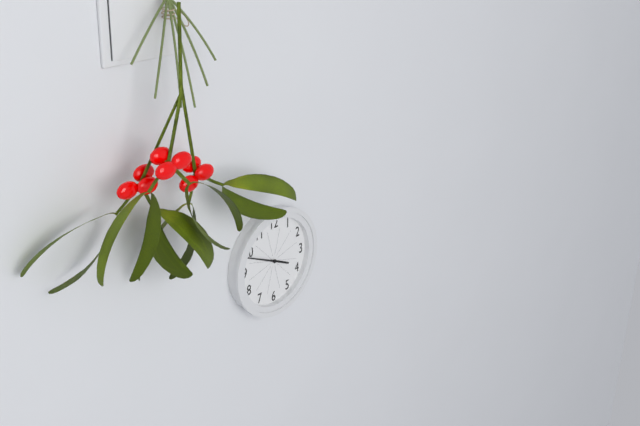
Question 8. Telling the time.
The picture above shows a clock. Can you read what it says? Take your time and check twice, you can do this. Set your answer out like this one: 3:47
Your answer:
3:49
